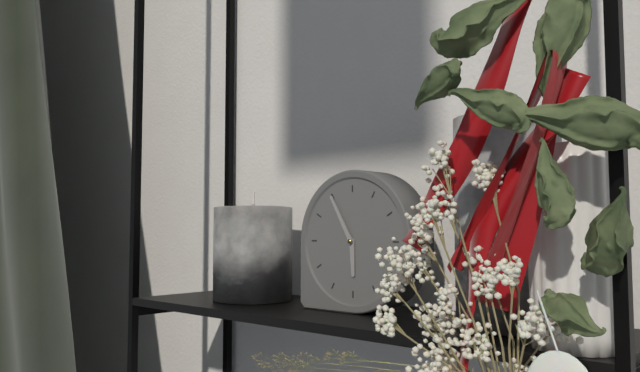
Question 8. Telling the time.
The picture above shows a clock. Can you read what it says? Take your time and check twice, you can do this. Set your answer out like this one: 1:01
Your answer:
5:55
